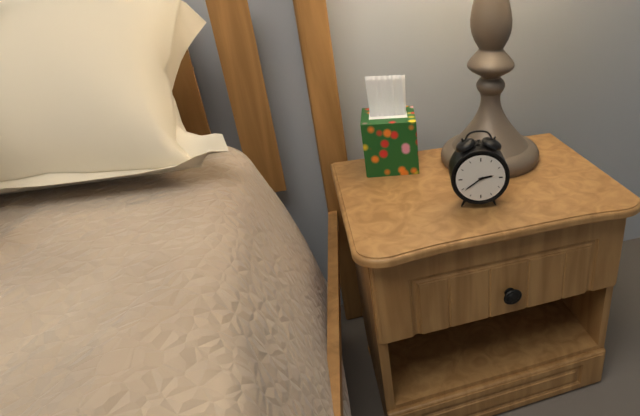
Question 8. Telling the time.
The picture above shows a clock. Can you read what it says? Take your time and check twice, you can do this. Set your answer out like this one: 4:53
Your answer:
2:39
